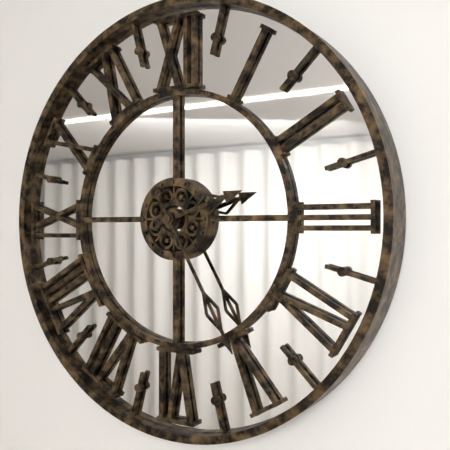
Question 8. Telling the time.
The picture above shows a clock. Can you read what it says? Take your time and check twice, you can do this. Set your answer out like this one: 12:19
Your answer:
2:25
